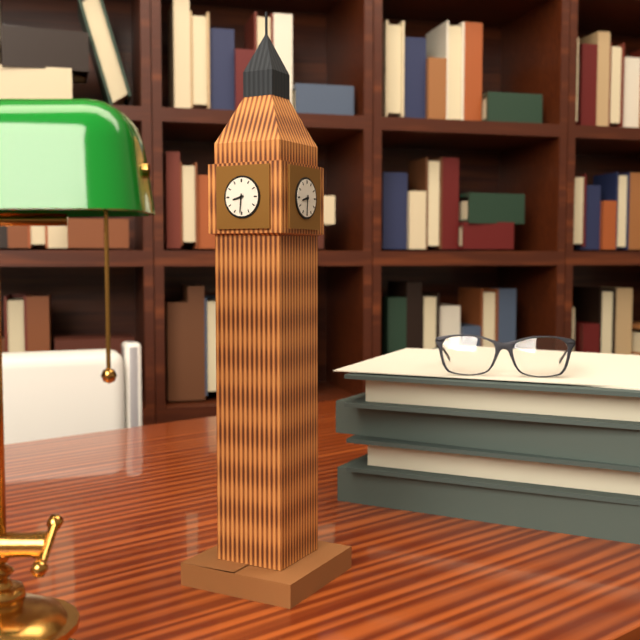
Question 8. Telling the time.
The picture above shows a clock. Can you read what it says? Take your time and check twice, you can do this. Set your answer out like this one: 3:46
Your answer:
8:31
